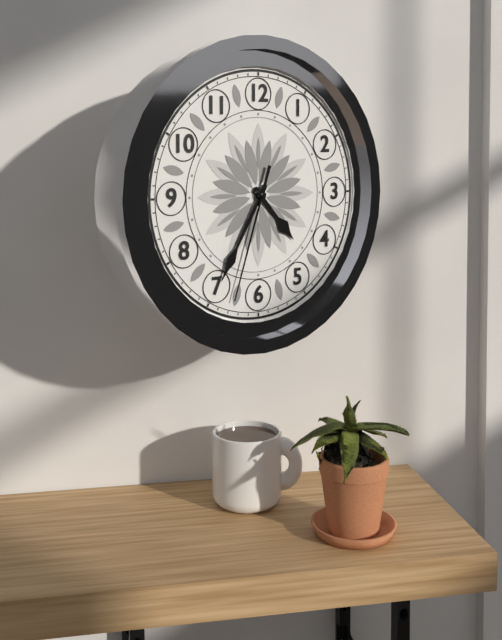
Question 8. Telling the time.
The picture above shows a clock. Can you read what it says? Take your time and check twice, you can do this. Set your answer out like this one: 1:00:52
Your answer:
4:35:33
